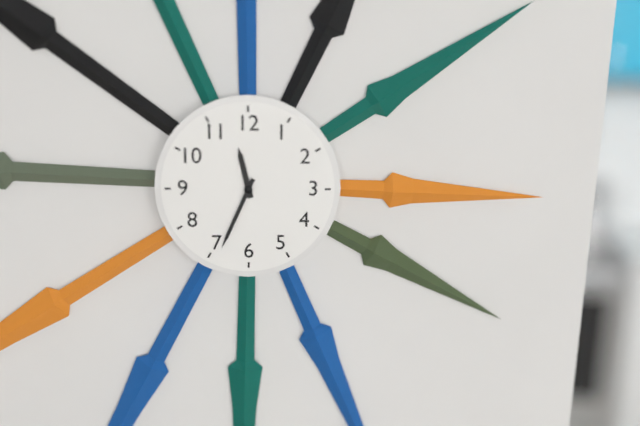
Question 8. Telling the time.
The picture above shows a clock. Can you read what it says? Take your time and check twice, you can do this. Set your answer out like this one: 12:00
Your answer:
11:34
